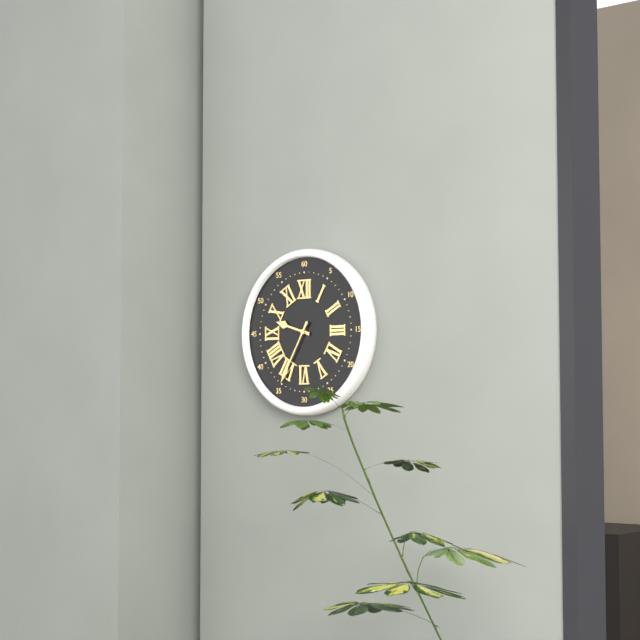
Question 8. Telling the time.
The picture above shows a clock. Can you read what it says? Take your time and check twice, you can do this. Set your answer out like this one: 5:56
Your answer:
9:35
